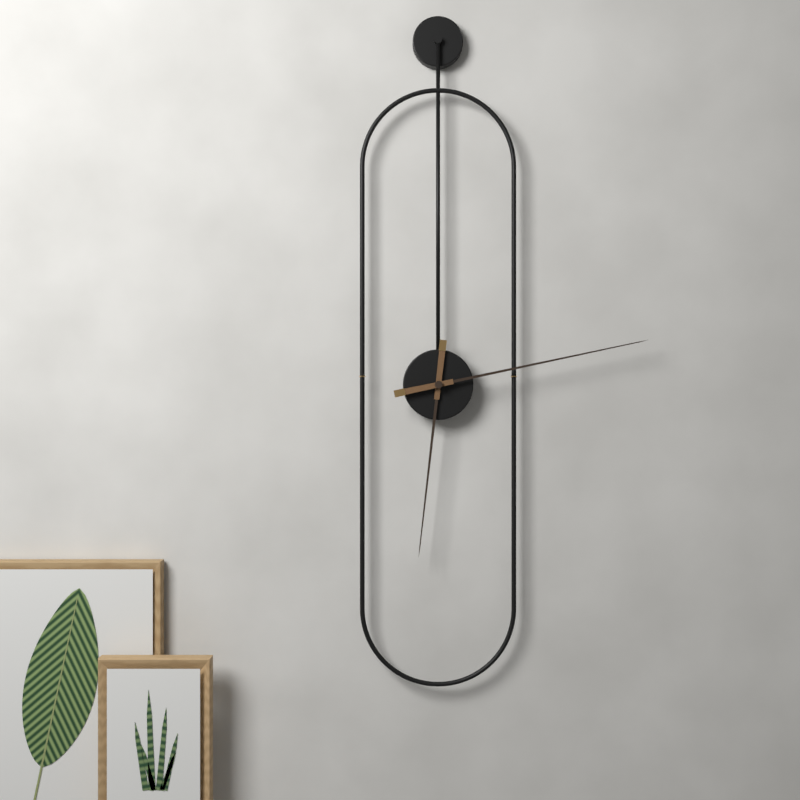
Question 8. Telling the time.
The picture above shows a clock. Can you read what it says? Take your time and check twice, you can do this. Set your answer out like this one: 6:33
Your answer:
6:13
